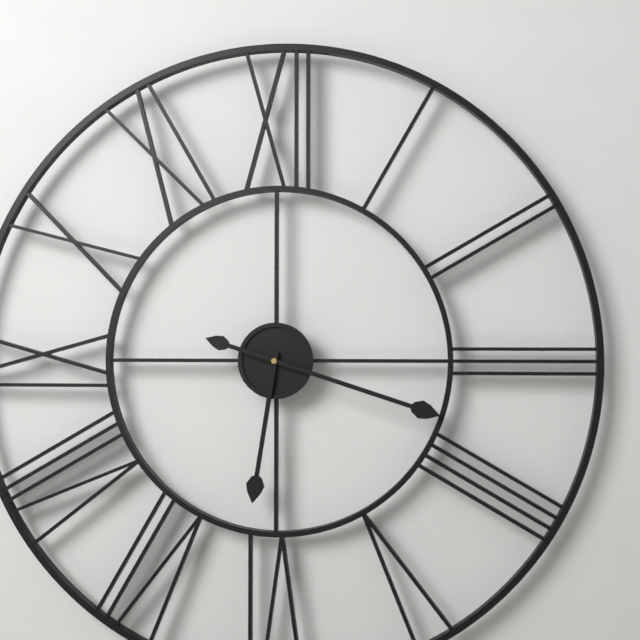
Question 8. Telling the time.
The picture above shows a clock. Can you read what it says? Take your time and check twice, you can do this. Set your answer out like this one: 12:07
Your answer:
6:18
